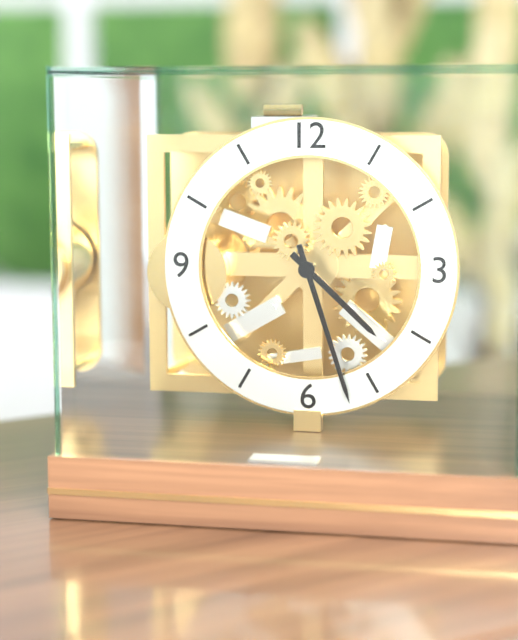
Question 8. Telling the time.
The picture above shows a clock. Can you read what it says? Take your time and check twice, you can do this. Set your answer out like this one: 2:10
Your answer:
4:27
